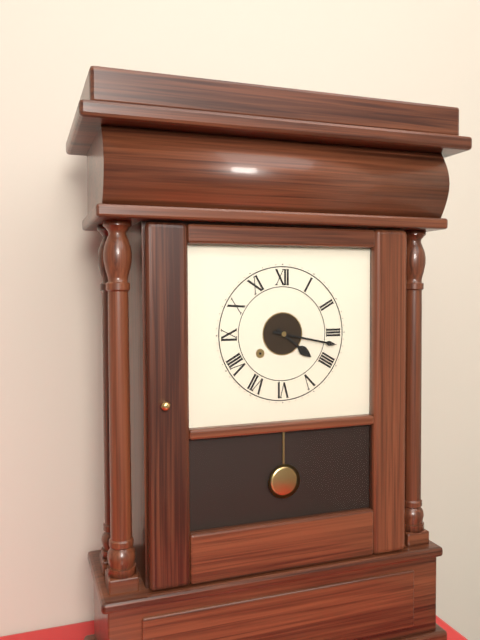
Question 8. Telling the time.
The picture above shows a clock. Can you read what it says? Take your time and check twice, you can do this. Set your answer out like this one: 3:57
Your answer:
4:17
